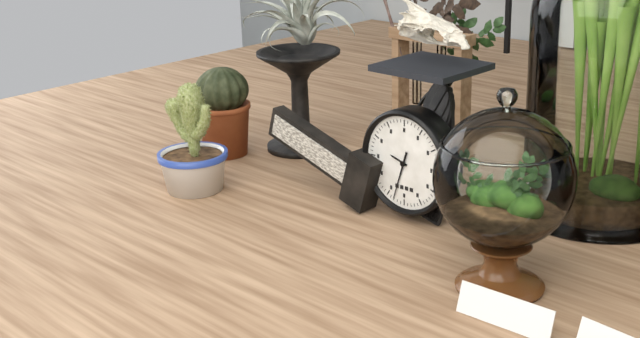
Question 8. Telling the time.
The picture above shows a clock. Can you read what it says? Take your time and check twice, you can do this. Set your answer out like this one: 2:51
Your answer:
9:33
